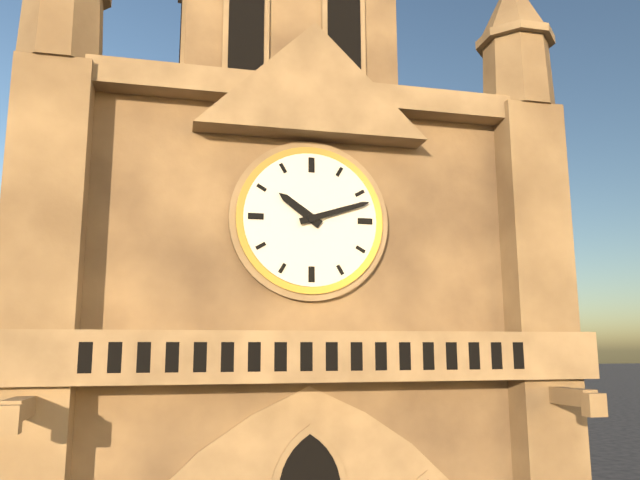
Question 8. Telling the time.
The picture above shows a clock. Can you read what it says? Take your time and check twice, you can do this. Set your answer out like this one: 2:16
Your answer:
10:12
